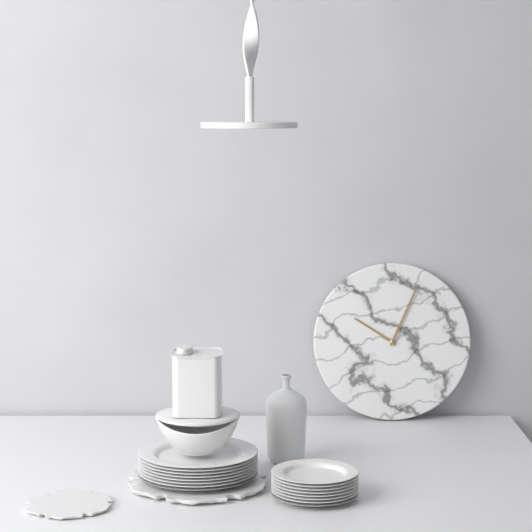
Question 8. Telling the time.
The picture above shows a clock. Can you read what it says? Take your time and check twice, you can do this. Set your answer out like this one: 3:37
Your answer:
10:04
